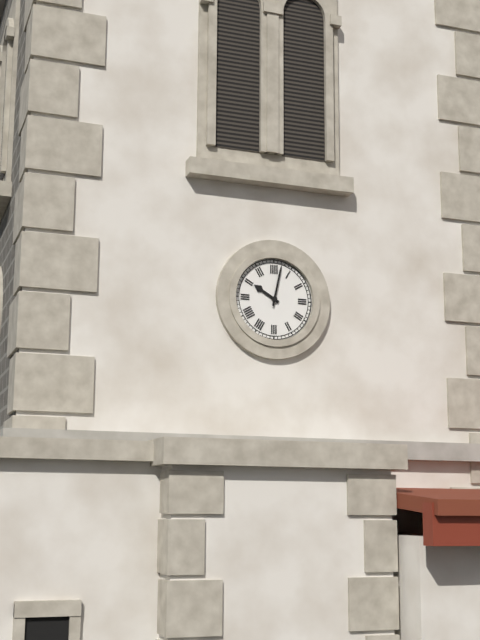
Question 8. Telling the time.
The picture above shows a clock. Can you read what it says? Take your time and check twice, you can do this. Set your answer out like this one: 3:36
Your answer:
10:02
